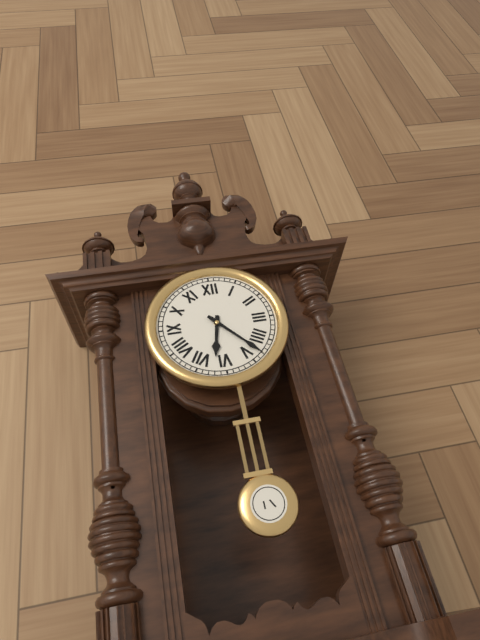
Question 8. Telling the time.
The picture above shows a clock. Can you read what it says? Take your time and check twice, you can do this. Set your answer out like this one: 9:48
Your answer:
6:23
